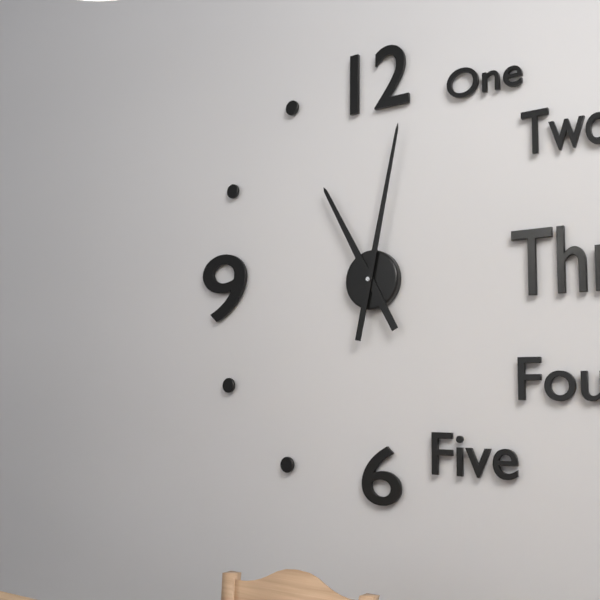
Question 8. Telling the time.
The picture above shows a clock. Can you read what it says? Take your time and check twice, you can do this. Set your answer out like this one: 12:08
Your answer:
11:02
